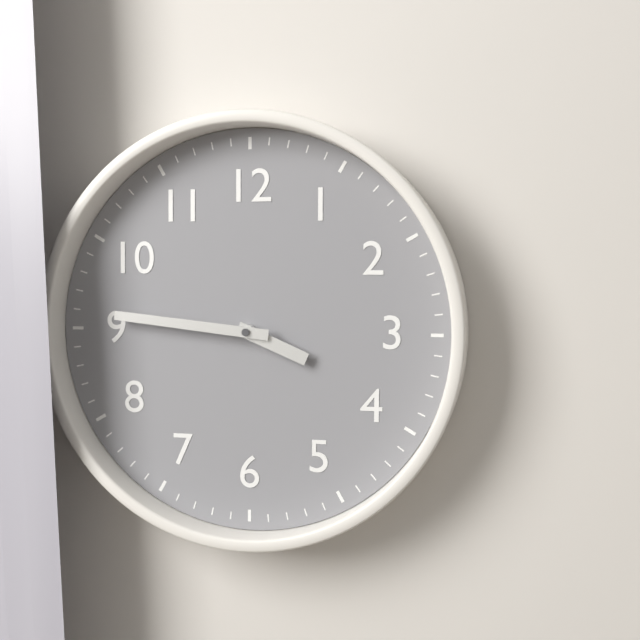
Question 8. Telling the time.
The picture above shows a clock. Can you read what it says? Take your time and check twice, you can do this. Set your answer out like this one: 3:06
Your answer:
3:46
